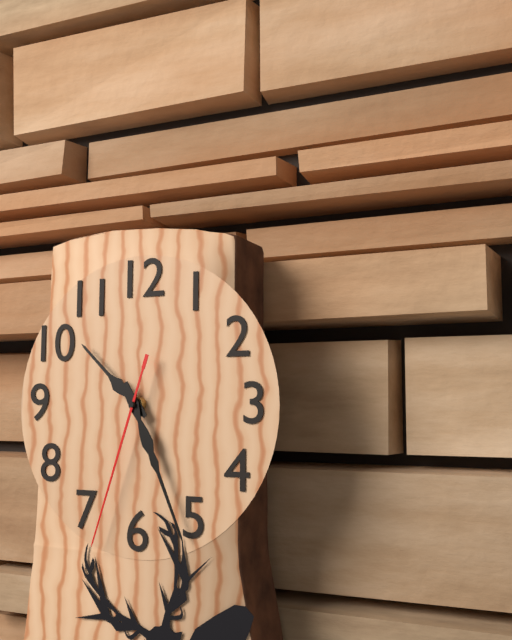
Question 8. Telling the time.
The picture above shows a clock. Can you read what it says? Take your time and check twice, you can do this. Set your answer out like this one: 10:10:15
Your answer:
10:26:33
